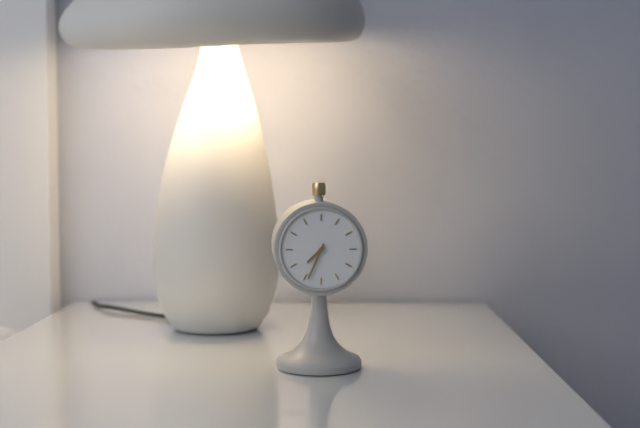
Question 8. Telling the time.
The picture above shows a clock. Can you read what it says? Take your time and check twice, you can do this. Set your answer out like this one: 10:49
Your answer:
7:34
